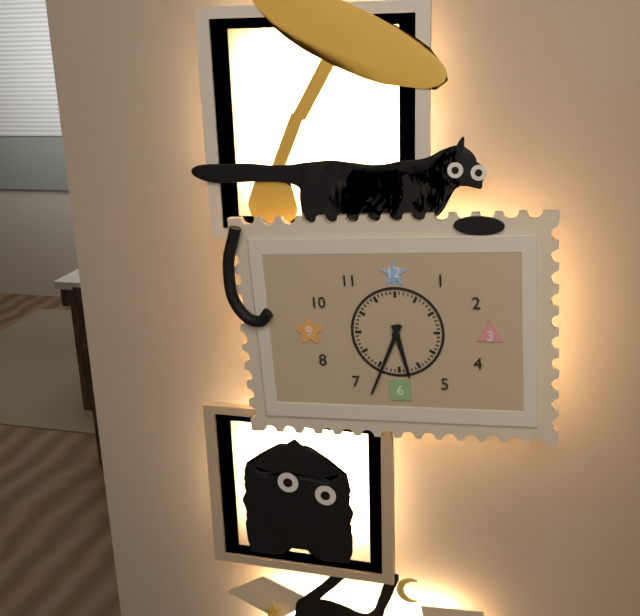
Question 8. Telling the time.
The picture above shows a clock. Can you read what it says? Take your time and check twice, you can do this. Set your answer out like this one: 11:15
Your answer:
5:34
